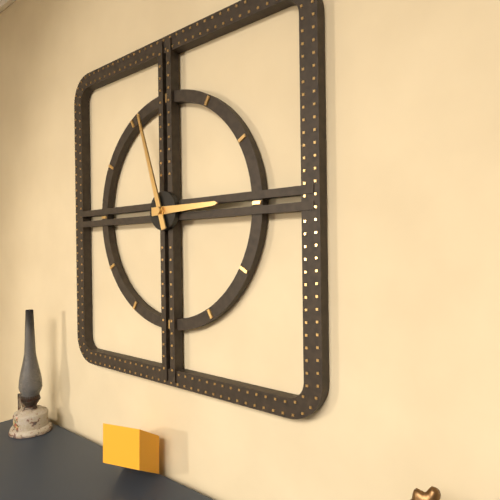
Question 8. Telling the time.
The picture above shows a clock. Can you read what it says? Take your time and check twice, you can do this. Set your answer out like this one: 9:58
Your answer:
2:57
